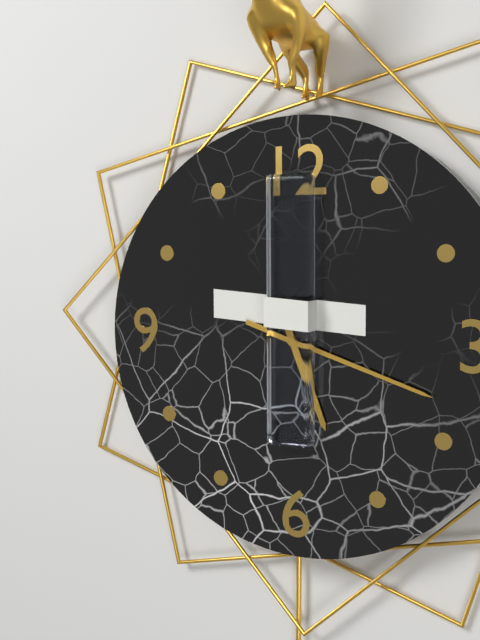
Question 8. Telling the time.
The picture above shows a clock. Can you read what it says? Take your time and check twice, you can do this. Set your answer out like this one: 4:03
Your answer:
5:18
